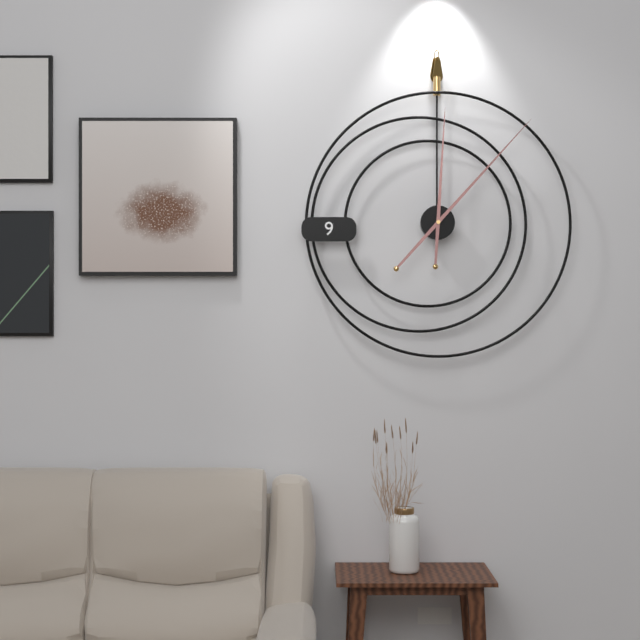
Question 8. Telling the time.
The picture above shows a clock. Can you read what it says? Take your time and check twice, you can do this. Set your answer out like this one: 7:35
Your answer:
12:07
